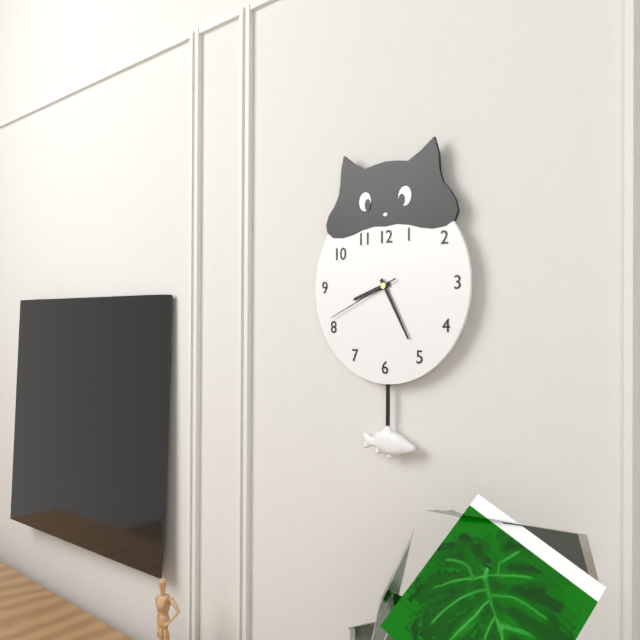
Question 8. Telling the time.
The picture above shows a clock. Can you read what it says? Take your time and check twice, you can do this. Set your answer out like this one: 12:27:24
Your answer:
8:25:41
